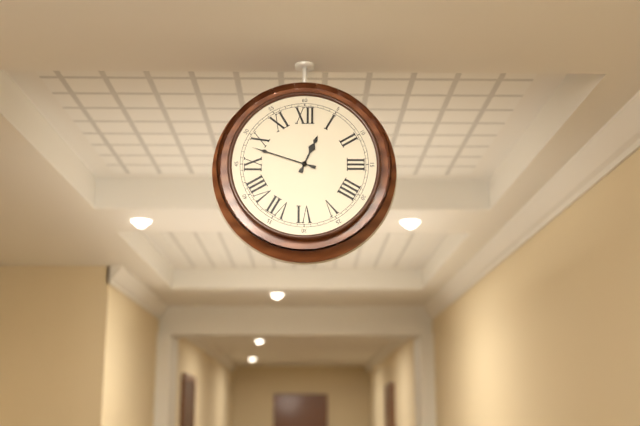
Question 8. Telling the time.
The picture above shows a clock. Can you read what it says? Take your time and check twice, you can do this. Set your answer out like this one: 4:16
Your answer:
12:48
